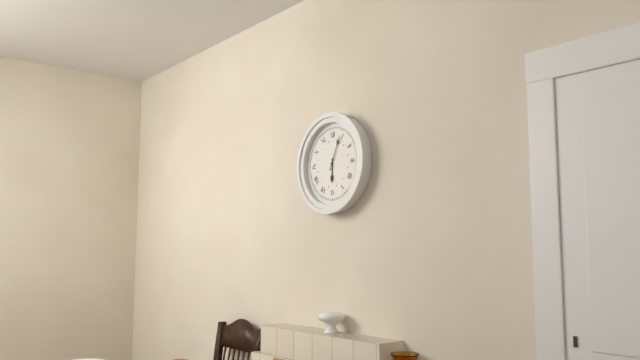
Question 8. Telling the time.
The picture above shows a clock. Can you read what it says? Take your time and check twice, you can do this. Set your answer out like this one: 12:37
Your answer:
6:04
